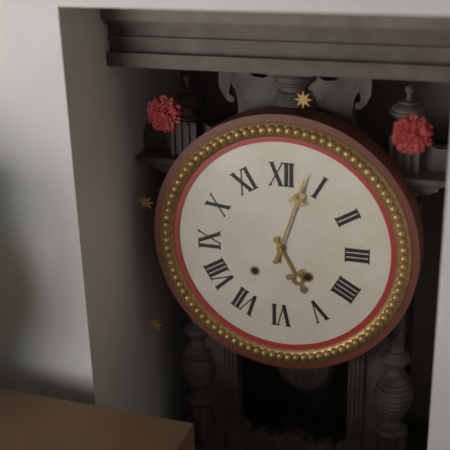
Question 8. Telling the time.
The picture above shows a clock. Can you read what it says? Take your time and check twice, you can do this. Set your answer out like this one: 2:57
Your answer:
5:03
